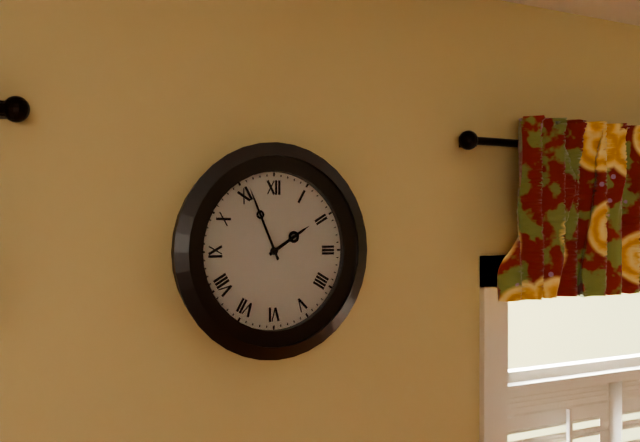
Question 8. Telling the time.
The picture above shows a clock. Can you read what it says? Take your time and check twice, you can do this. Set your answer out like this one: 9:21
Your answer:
1:56
